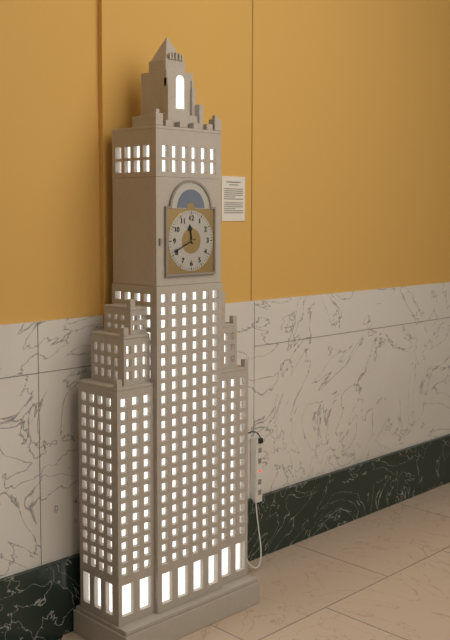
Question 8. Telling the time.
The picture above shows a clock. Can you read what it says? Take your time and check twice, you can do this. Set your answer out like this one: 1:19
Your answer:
11:41
